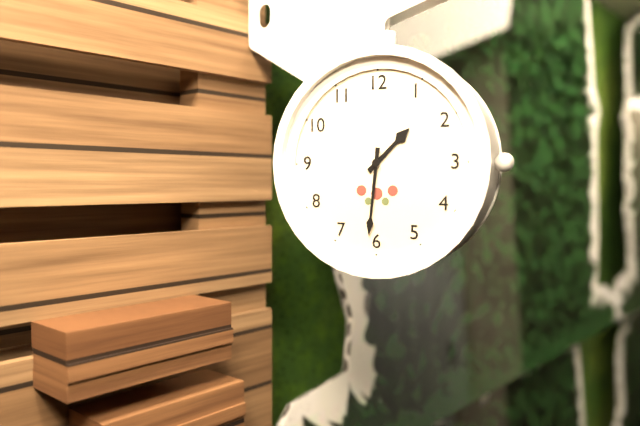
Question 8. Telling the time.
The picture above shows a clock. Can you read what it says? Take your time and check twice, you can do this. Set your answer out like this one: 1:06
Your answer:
1:31
